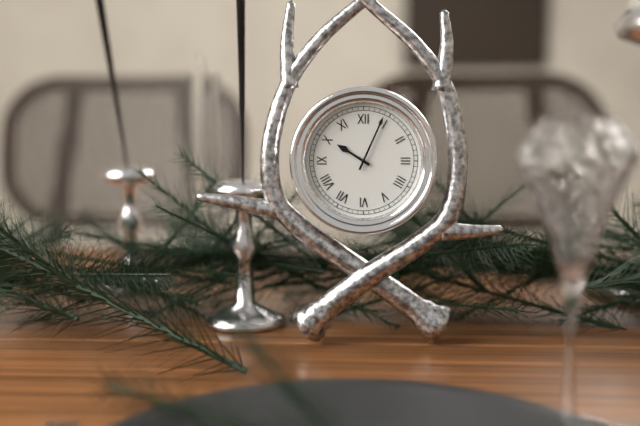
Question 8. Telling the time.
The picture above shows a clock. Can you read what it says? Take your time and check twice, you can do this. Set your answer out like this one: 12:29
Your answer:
10:04
